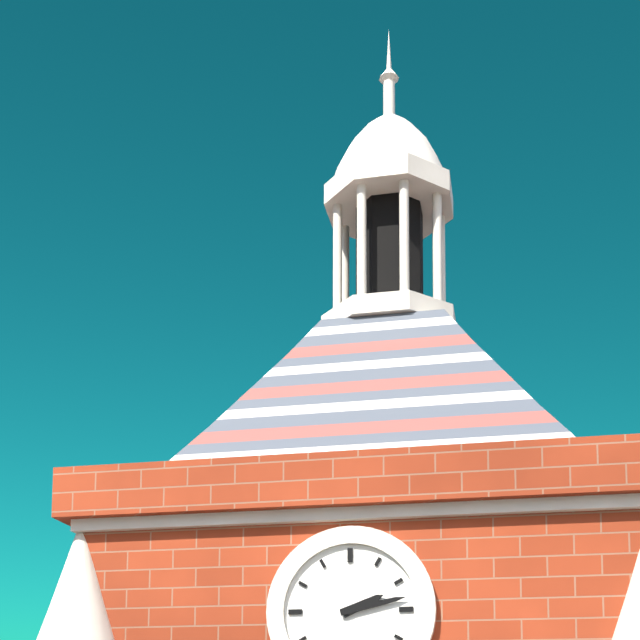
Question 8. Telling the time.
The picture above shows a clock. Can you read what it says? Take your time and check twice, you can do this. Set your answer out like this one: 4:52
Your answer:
2:13
